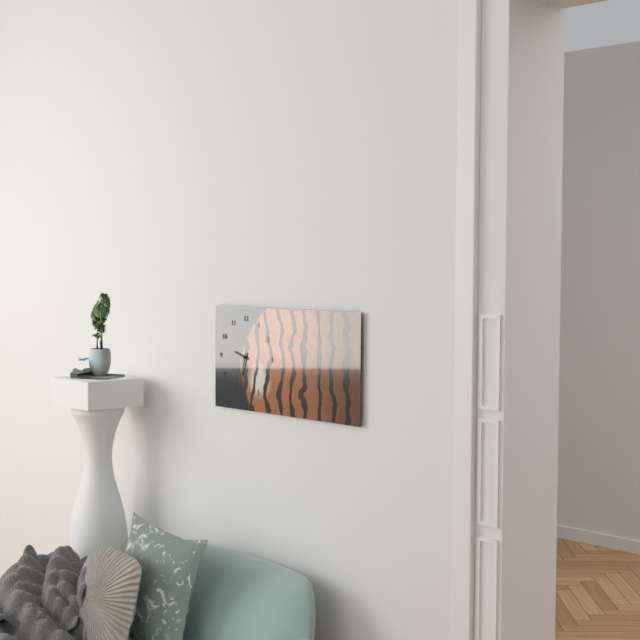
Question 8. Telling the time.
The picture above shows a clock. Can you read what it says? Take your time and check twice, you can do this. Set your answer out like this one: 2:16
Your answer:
9:33
